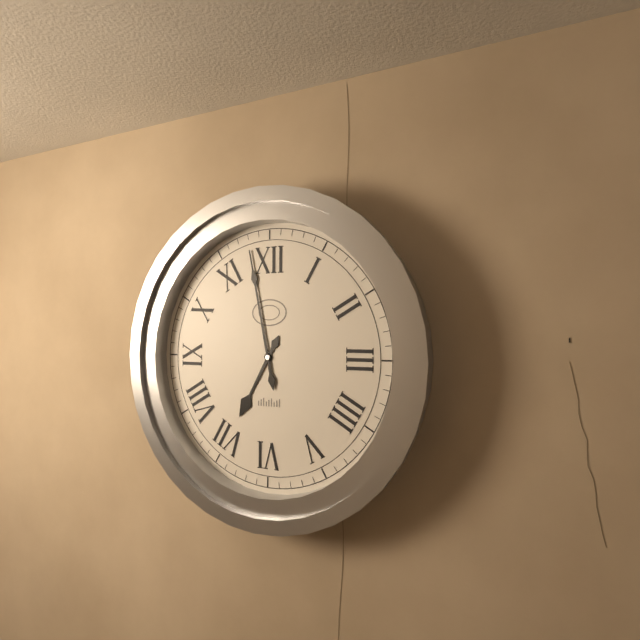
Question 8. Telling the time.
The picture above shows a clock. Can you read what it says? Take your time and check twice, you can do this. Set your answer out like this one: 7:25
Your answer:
6:58
